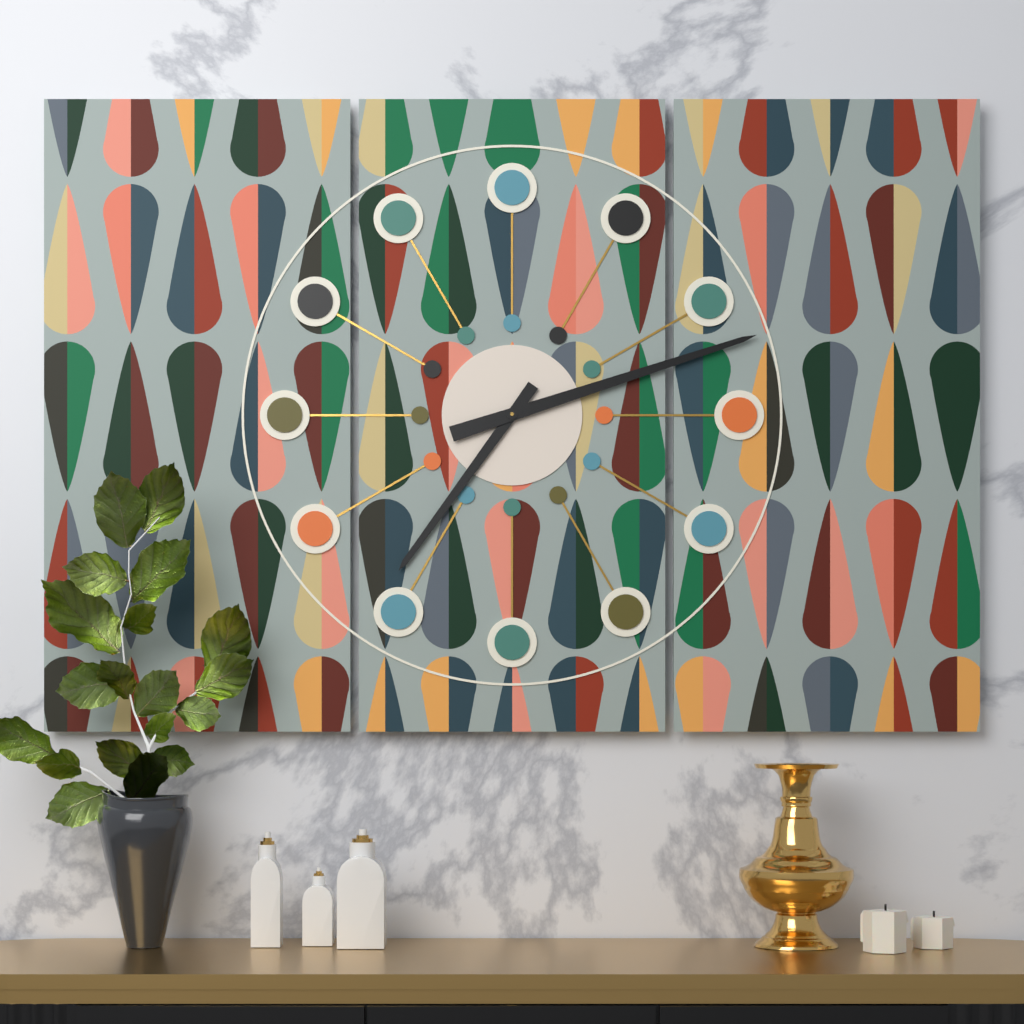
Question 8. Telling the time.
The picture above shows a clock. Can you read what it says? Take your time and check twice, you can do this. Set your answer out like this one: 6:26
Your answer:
7:12
